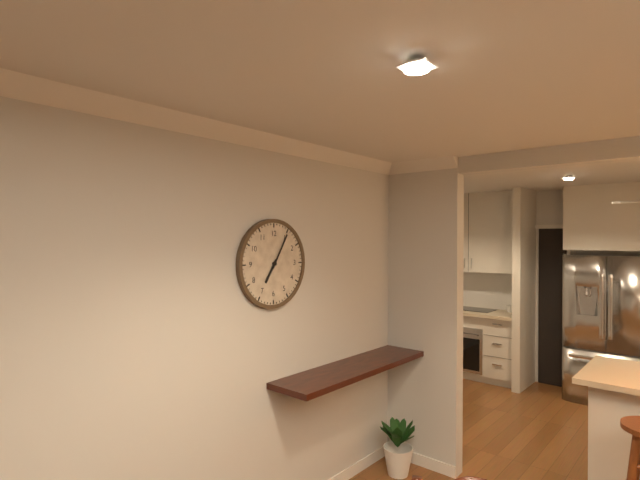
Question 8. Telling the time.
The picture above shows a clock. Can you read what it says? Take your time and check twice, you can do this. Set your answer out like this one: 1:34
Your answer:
7:05
